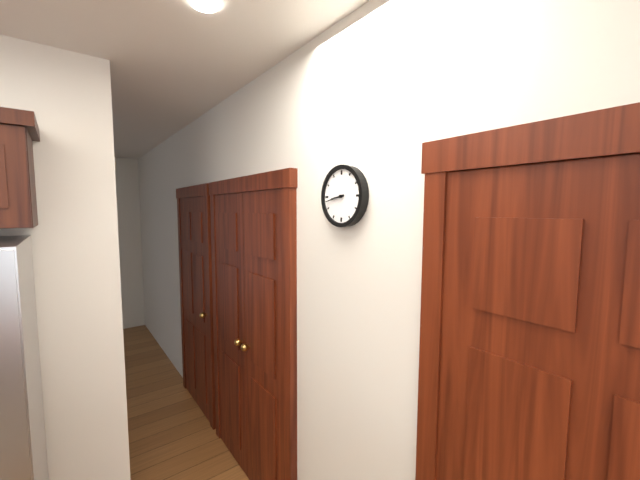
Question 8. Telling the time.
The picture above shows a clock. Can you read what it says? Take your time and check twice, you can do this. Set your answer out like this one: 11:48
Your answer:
8:43
